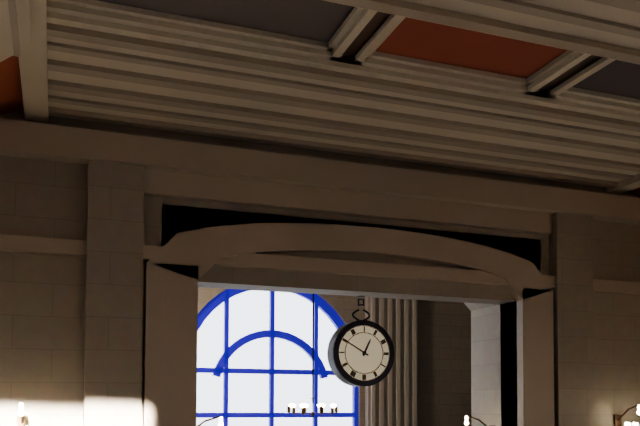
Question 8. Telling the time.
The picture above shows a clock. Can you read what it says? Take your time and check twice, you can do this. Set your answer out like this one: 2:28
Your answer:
12:50
